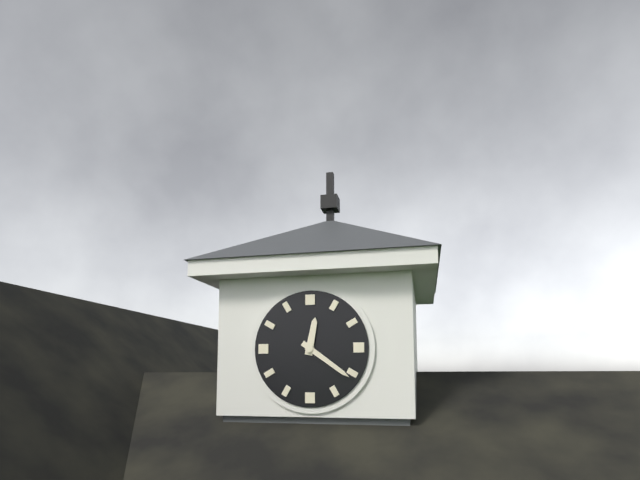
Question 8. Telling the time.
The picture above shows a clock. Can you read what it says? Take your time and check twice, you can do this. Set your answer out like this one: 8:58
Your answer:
12:21
